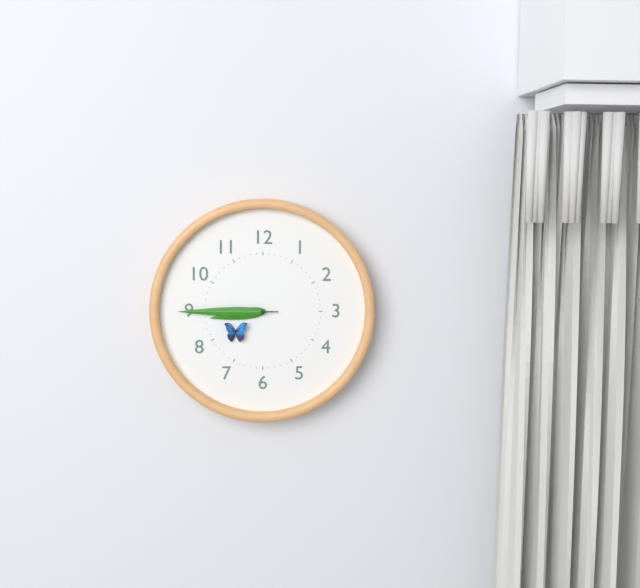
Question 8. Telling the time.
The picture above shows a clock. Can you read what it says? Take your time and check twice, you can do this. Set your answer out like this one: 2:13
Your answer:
8:45
